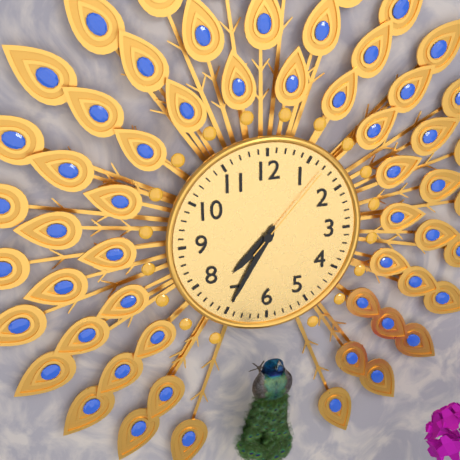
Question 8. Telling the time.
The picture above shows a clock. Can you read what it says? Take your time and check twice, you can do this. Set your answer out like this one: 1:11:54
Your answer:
7:35:07
